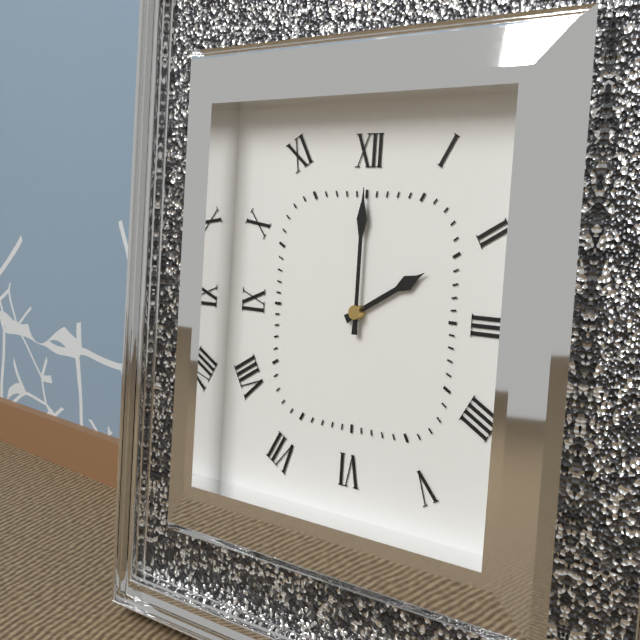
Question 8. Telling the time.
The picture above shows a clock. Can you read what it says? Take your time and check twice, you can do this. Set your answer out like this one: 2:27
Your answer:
2:00
